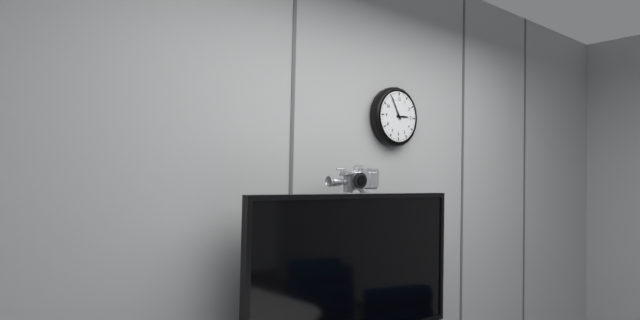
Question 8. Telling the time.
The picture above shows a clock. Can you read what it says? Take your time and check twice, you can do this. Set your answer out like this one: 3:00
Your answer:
2:55
